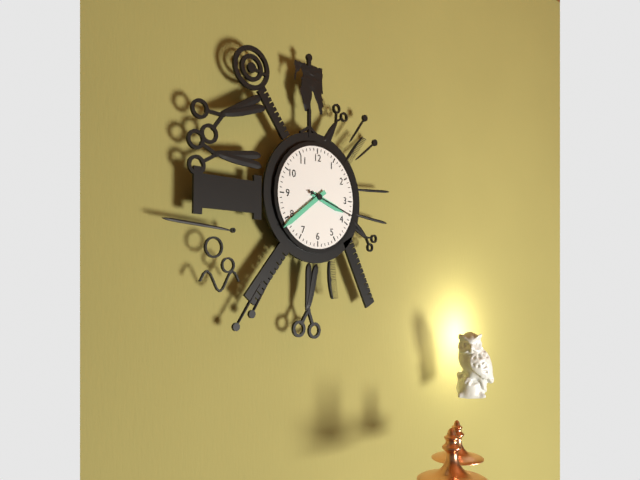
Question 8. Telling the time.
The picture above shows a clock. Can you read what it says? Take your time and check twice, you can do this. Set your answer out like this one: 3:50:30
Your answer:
3:39:18
